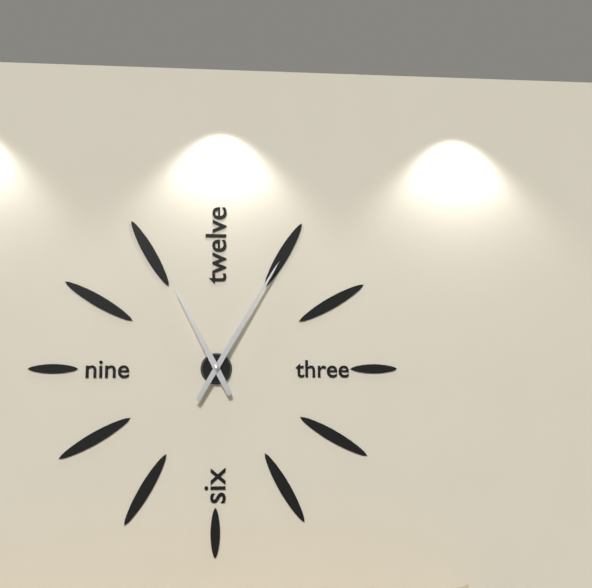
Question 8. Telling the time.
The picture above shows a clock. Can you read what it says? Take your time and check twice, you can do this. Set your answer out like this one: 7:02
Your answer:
11:05
